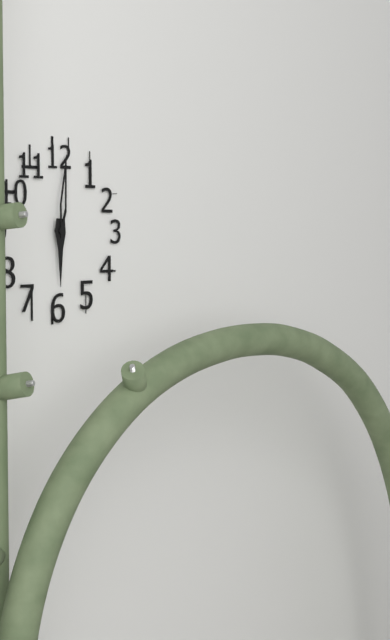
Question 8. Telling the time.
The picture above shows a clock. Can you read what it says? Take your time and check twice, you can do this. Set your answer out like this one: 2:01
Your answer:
6:01
